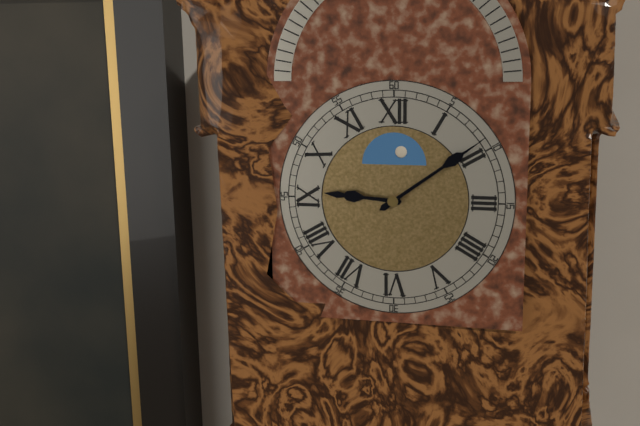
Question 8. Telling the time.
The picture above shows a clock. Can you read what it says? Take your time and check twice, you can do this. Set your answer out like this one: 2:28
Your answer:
9:09
